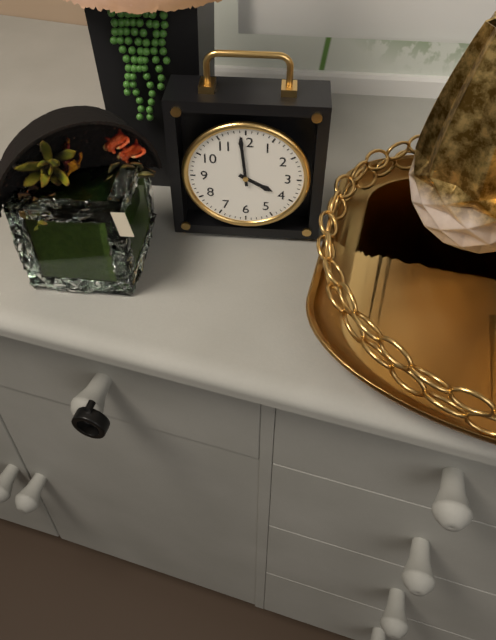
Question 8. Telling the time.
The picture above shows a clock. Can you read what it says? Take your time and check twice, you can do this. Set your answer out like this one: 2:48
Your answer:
3:59
